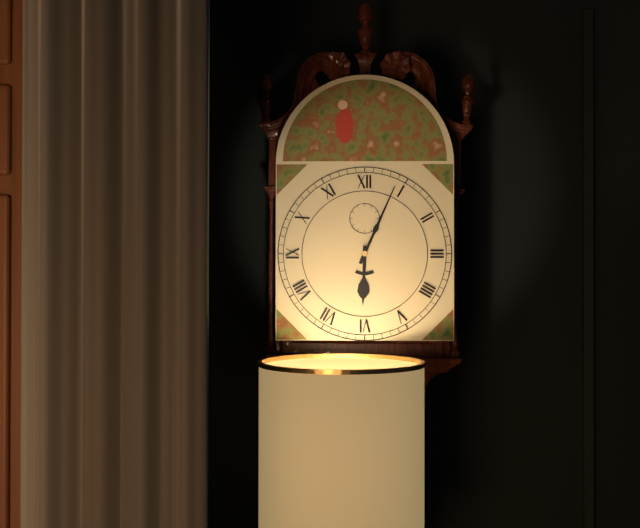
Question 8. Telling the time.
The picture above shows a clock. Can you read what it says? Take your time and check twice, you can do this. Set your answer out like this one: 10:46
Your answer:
6:04
